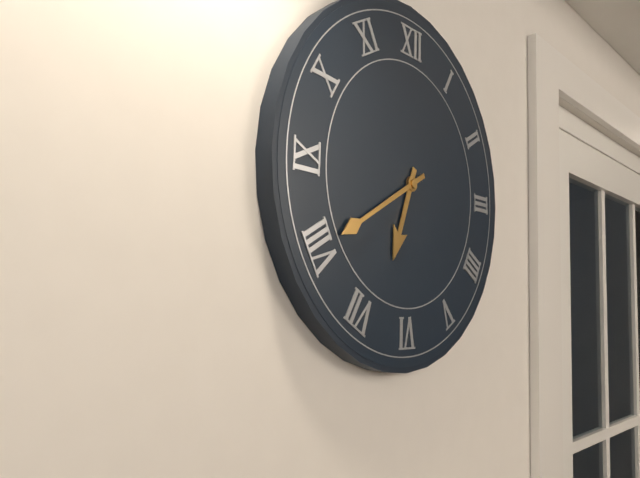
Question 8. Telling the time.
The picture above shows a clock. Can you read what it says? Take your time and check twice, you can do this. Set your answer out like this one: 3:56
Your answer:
6:40
